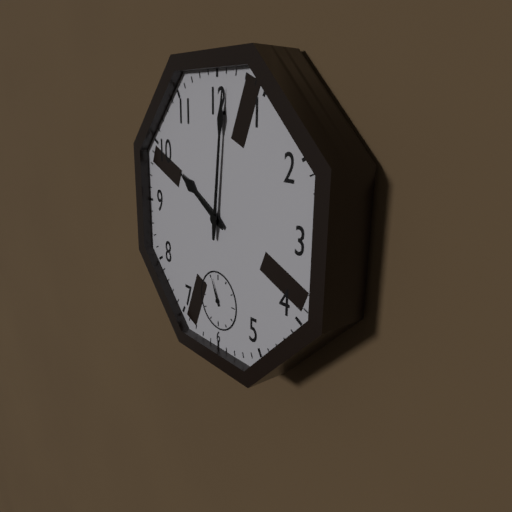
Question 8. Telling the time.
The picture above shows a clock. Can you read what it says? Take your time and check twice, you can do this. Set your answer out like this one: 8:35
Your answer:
10:01
